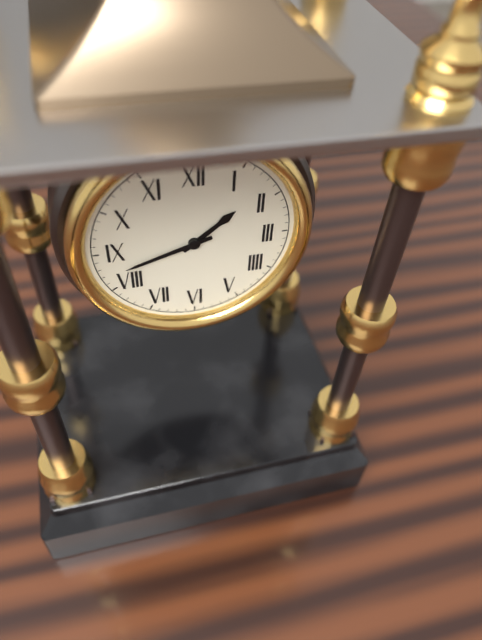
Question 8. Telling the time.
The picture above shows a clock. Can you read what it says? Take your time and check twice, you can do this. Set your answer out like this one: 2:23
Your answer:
1:42
